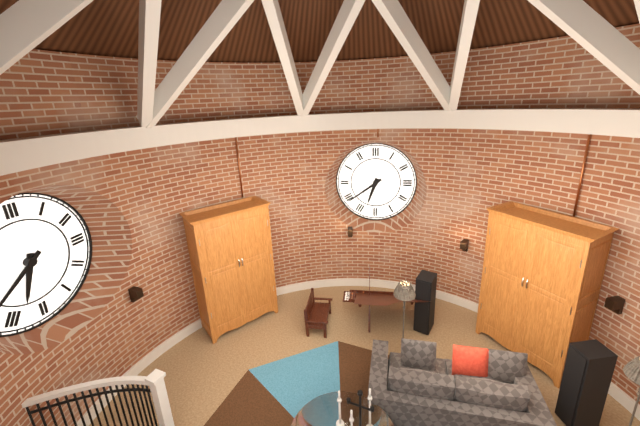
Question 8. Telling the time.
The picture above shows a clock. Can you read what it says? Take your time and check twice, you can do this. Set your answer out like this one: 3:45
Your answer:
6:39
